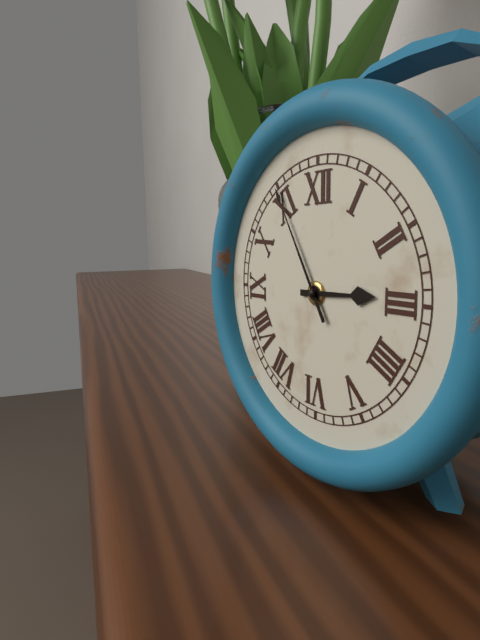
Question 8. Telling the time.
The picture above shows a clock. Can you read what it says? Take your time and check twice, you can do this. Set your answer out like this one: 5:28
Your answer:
2:55
